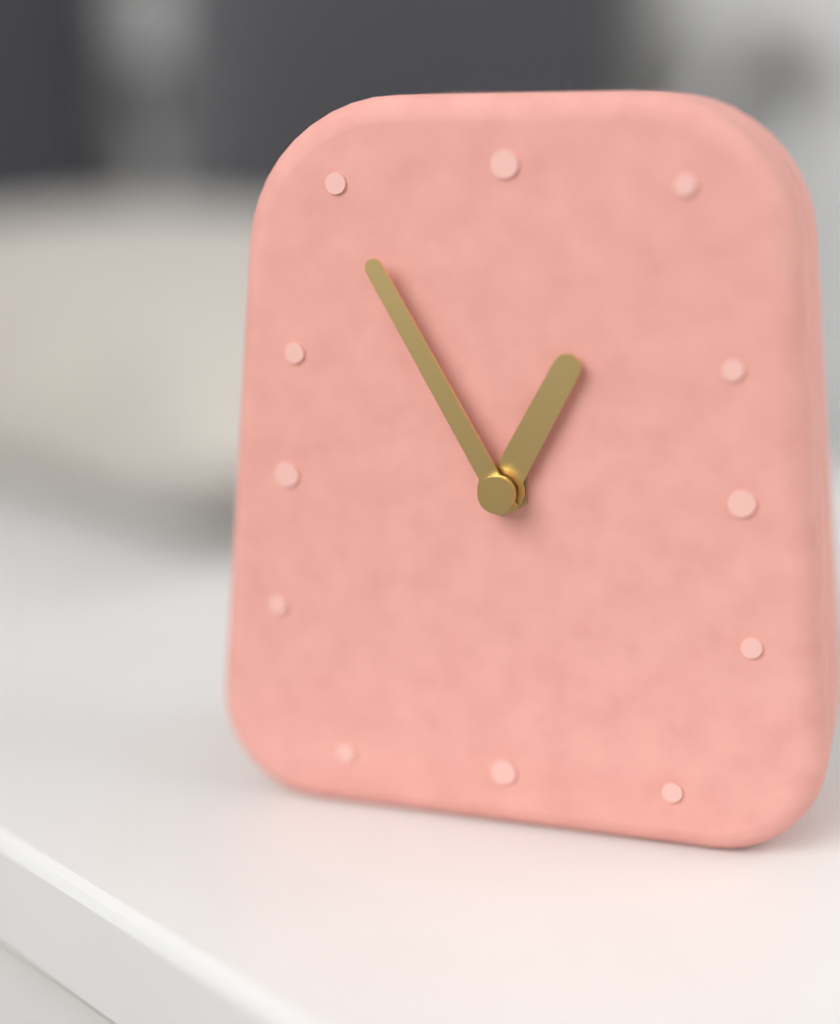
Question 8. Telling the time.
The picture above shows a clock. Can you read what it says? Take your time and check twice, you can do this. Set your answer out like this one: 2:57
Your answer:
12:55
